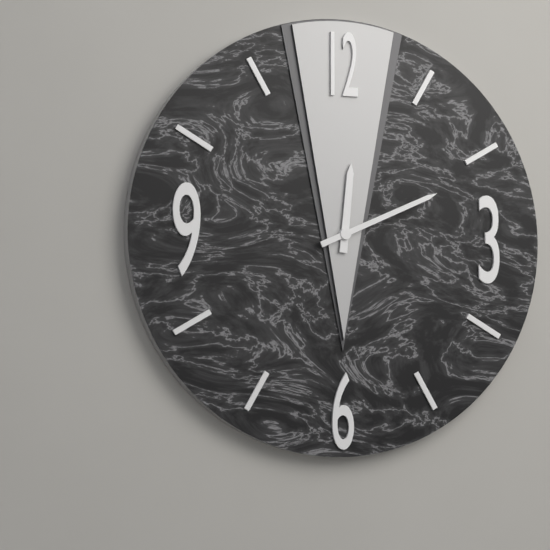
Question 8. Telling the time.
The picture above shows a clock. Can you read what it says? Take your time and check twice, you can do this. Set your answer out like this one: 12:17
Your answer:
12:11
